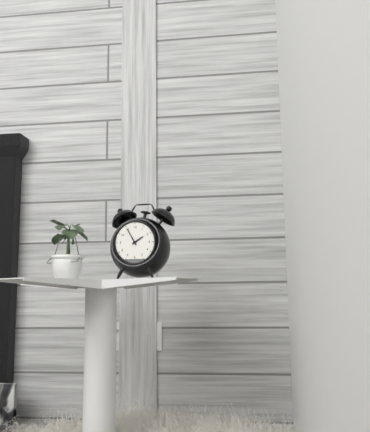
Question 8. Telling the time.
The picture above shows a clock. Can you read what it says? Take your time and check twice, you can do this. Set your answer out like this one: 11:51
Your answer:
1:55
